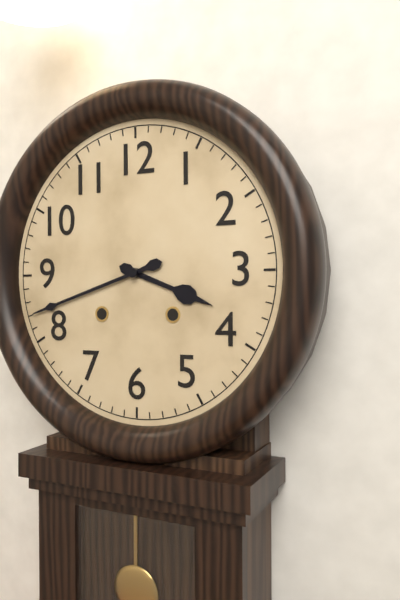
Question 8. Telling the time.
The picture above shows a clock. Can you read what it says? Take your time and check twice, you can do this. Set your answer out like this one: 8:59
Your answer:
3:42
